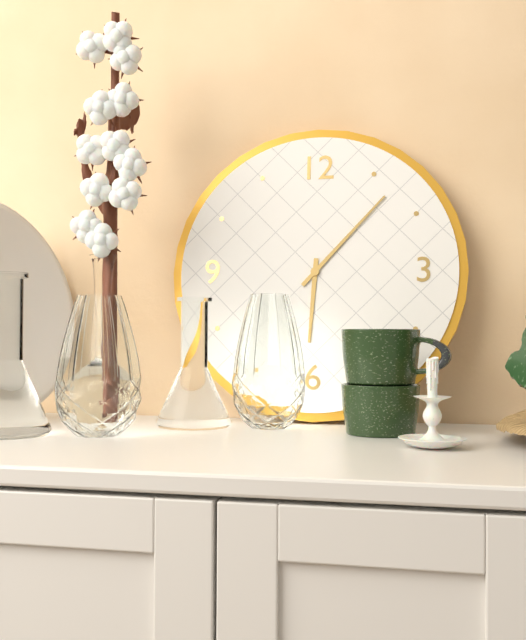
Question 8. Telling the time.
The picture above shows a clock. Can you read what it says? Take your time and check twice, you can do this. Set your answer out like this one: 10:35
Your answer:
6:07
